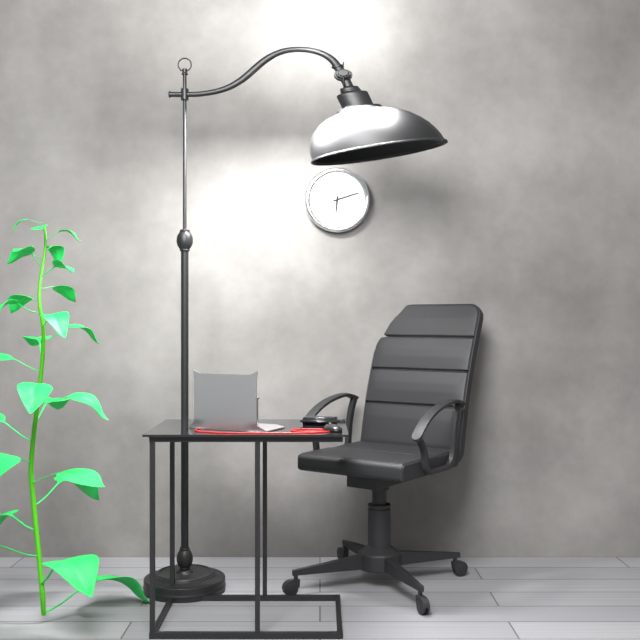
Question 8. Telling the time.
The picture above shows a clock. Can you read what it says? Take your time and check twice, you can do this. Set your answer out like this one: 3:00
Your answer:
6:12
